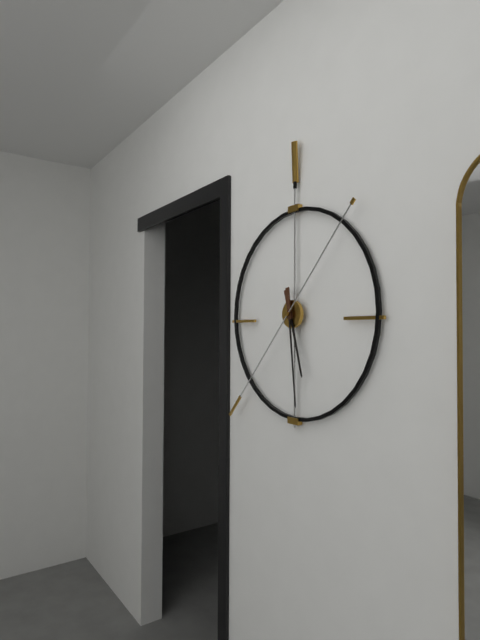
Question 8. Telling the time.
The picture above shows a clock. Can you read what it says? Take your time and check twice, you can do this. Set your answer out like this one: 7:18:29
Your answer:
5:29:37
